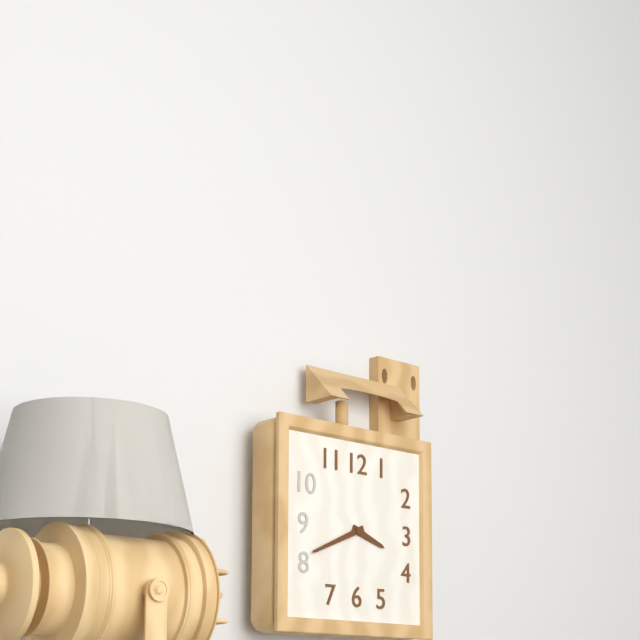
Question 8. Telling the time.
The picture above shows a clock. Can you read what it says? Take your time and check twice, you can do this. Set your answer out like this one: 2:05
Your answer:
3:41
